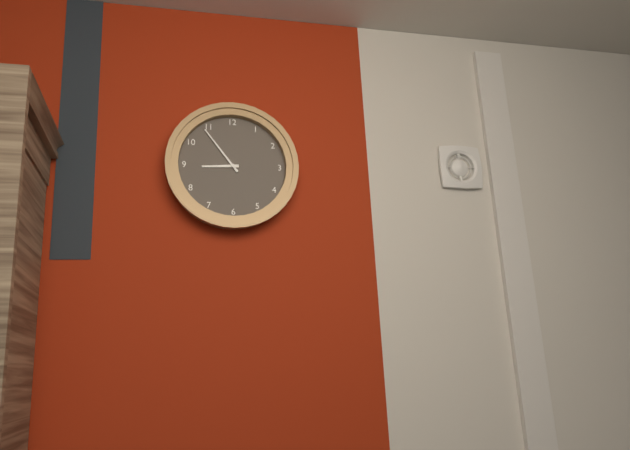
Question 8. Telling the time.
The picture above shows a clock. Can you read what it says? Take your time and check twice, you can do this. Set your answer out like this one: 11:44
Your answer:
8:54
